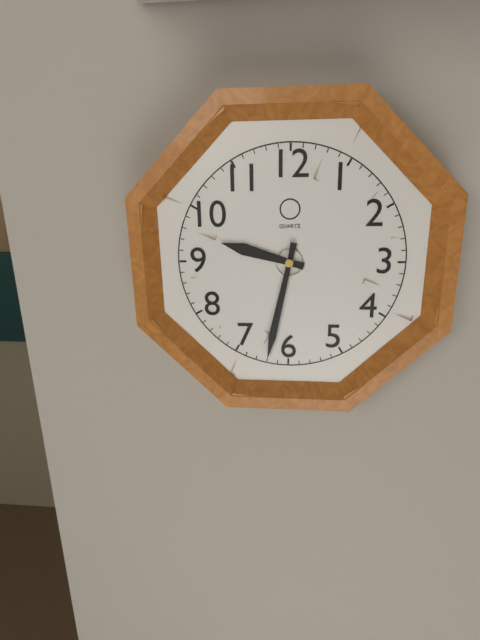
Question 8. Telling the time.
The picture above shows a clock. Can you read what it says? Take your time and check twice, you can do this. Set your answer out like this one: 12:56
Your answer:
9:32
